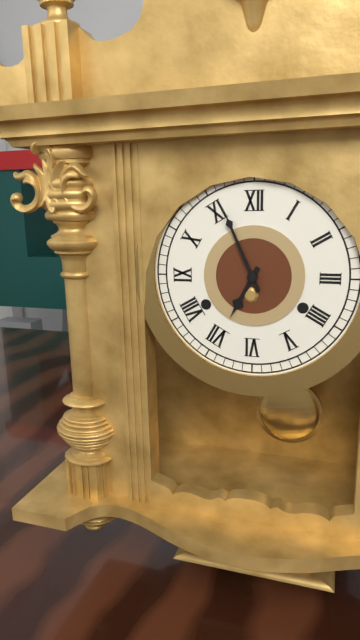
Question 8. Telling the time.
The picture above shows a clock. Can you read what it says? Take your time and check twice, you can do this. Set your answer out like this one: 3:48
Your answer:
6:56
